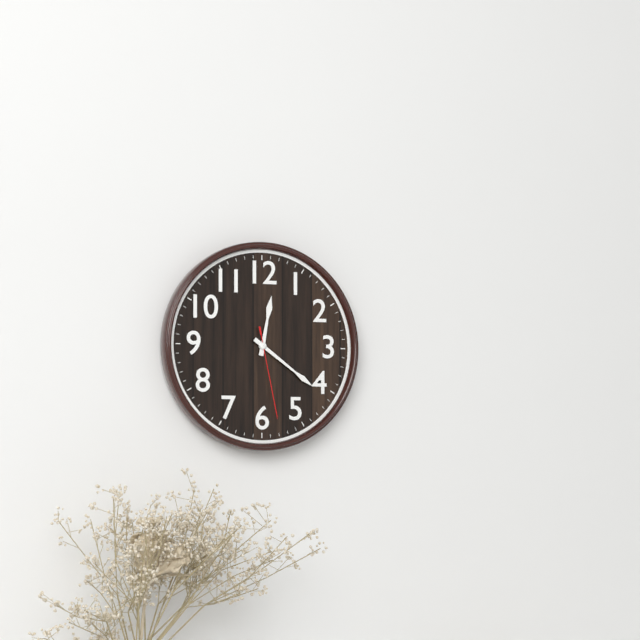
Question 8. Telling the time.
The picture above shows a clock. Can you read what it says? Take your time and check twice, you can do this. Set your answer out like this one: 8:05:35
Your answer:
12:21:28
